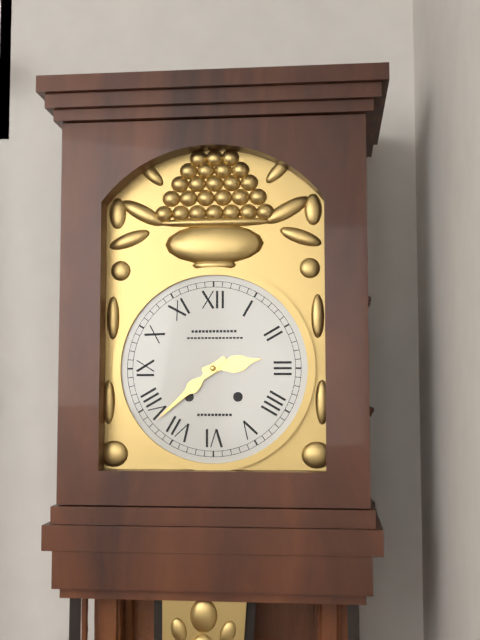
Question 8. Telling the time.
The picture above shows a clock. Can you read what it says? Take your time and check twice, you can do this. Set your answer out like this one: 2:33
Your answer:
2:38
